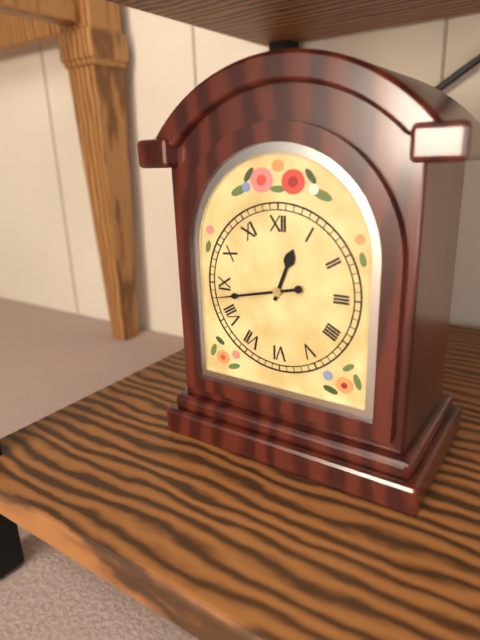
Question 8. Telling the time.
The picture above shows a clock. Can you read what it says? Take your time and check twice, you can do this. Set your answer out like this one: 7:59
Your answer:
12:43
